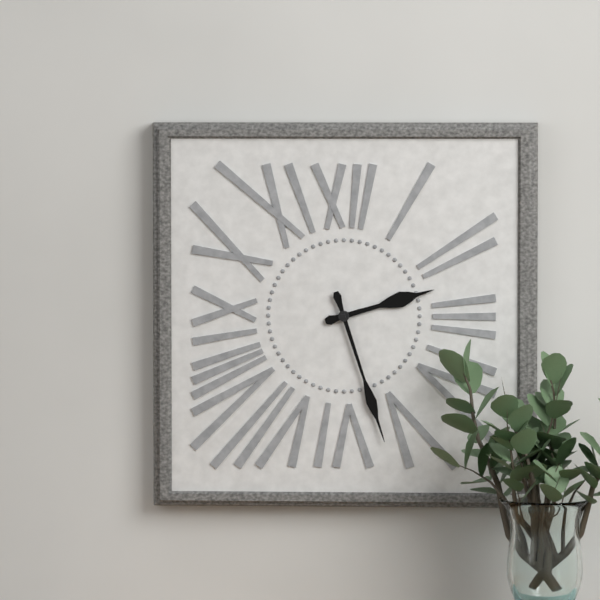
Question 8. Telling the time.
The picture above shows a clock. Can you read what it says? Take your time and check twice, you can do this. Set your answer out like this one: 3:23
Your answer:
2:27
